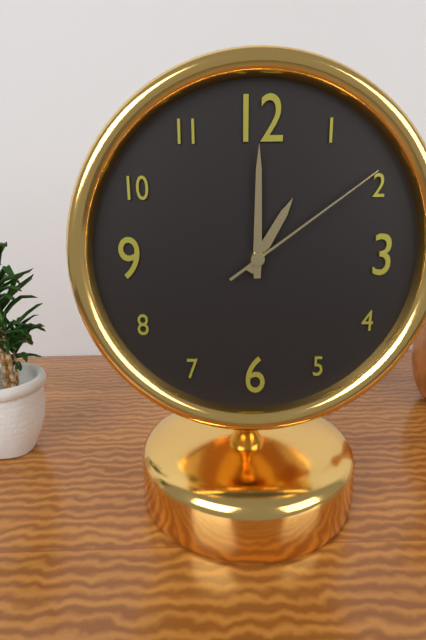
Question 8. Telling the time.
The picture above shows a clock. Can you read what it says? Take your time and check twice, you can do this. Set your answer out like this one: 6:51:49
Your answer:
1:00:09
